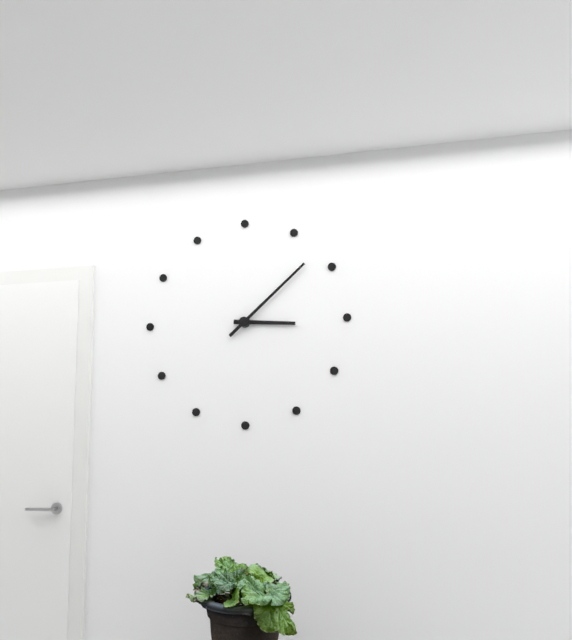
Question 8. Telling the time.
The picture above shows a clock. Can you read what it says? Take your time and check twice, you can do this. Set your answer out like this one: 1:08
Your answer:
3:08
